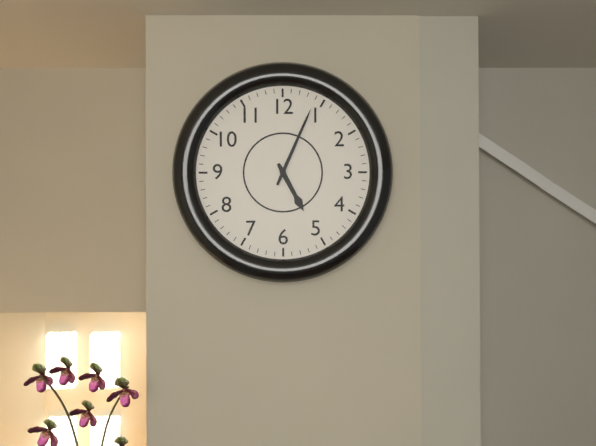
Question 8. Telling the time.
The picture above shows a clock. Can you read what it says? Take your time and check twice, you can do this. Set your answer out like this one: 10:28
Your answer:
5:04
